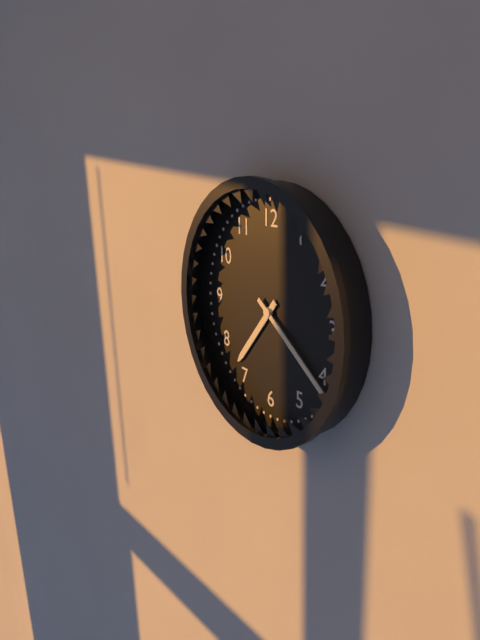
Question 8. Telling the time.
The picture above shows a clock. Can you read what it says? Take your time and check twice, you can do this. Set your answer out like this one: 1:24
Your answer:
7:21
